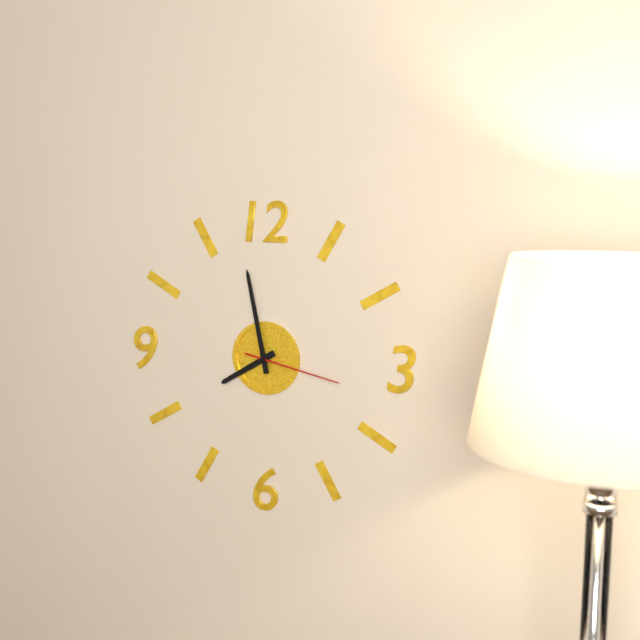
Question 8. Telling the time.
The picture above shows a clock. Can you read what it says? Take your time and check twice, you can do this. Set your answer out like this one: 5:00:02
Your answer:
7:58:17
